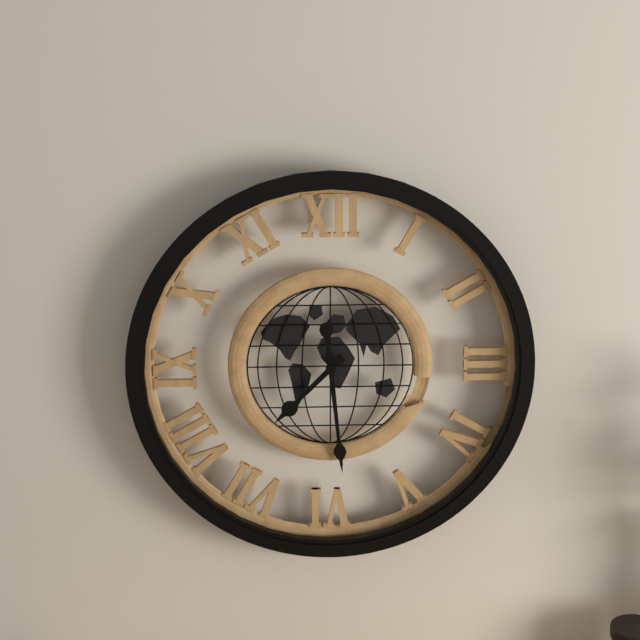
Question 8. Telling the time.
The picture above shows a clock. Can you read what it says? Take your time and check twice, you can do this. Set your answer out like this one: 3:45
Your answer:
7:29
